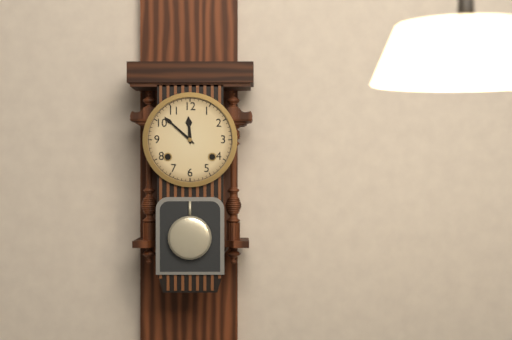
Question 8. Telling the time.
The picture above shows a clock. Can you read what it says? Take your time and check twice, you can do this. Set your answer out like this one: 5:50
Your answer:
11:52
